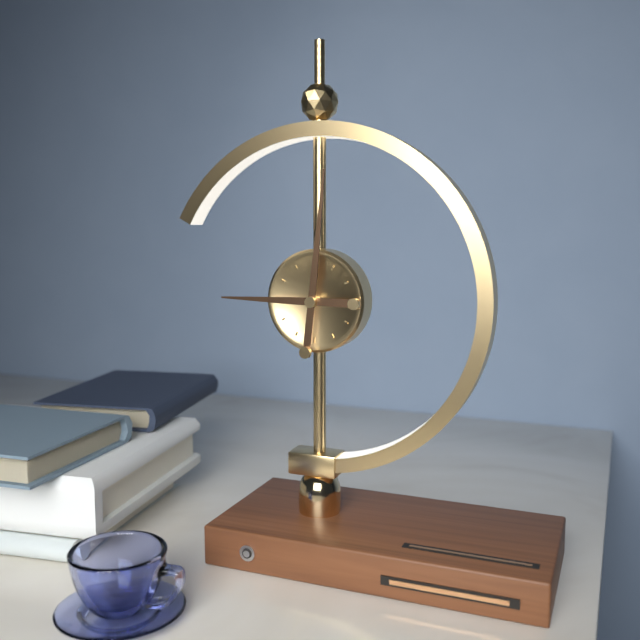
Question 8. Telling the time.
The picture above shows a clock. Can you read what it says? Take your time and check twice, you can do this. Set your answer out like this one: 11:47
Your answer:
9:01
